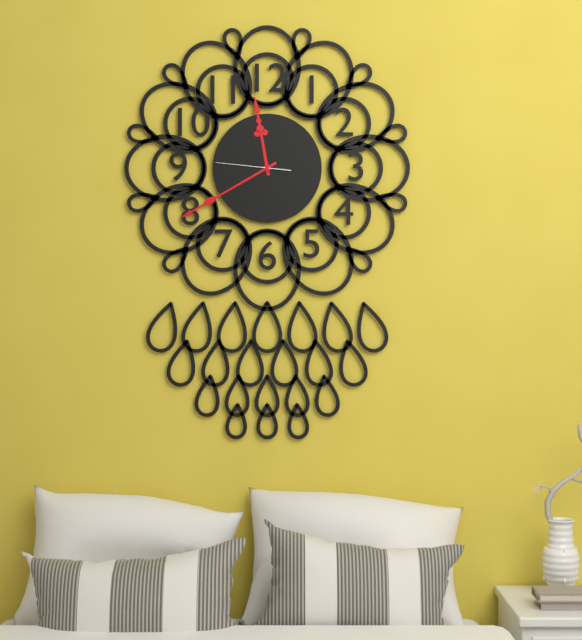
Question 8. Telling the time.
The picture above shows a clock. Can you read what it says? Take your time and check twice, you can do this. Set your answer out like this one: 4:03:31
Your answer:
11:40:46
